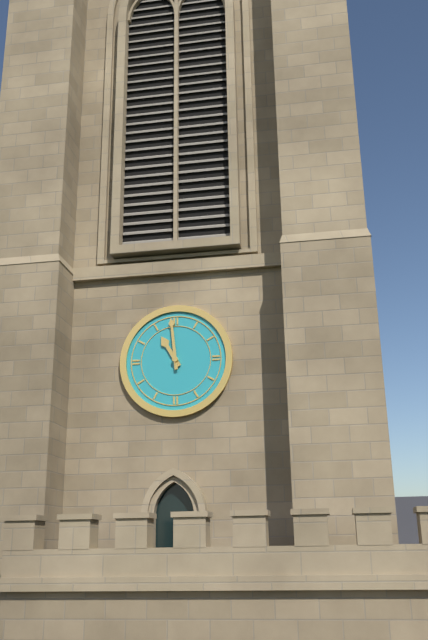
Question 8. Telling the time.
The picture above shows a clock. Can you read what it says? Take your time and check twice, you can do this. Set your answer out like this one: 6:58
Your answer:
10:59
